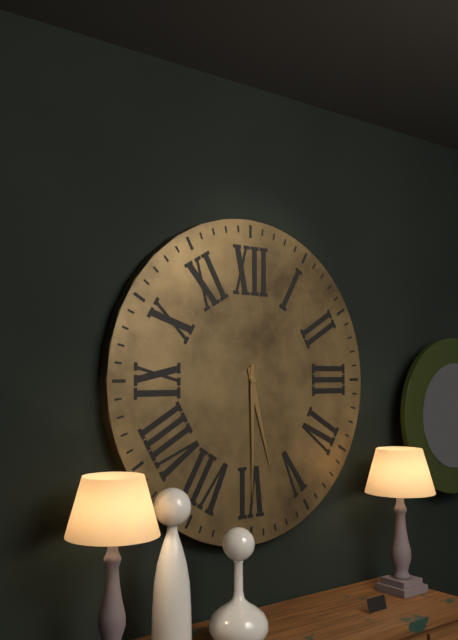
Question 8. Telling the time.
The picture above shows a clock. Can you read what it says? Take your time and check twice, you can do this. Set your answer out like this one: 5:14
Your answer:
5:30
